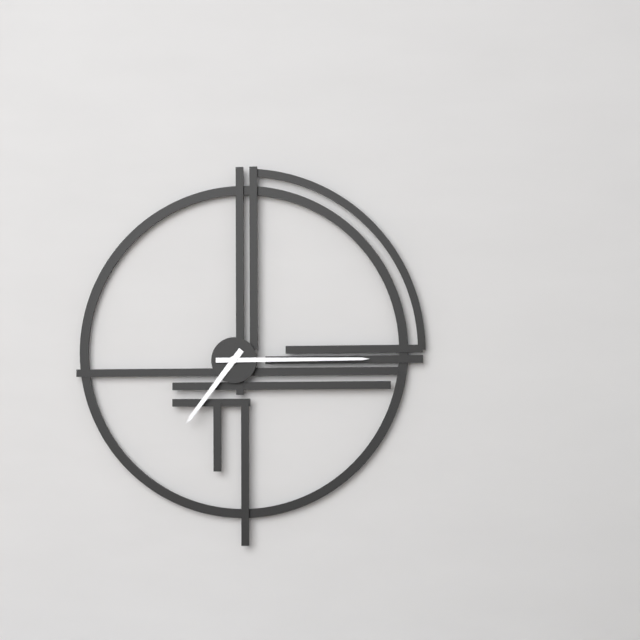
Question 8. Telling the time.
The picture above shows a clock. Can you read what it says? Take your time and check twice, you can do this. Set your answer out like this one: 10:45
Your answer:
7:15
